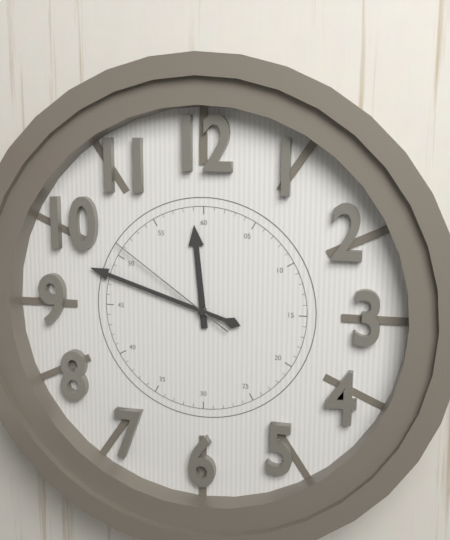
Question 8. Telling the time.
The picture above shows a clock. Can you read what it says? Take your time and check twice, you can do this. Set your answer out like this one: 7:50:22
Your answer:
11:48:51
